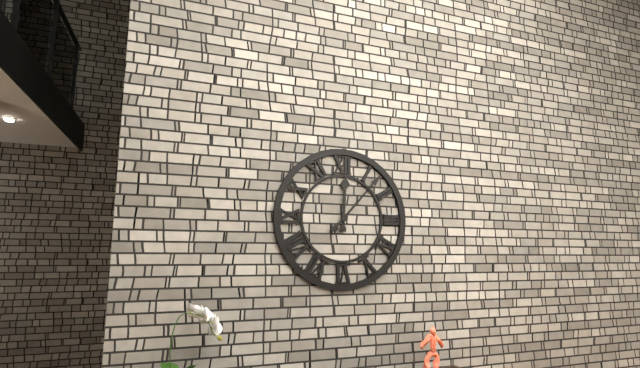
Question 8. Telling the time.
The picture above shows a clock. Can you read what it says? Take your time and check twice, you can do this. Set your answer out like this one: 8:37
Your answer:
12:07
